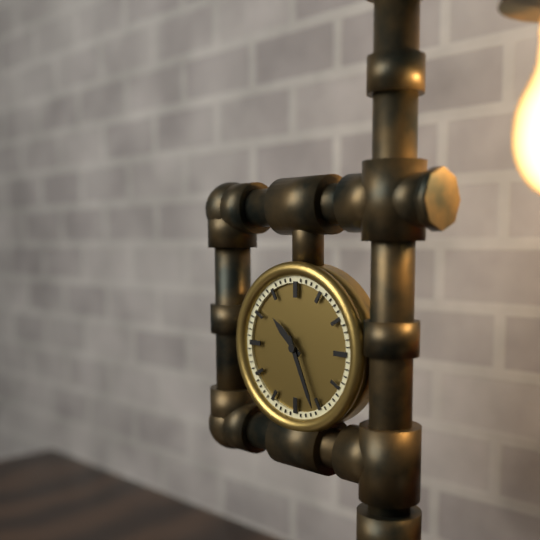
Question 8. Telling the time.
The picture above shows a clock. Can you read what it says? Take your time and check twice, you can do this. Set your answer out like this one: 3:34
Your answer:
10:26
